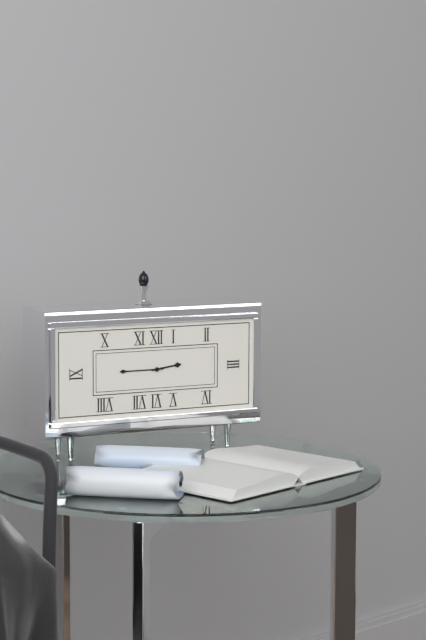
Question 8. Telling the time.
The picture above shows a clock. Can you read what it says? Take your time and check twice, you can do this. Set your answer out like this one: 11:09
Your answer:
2:45
